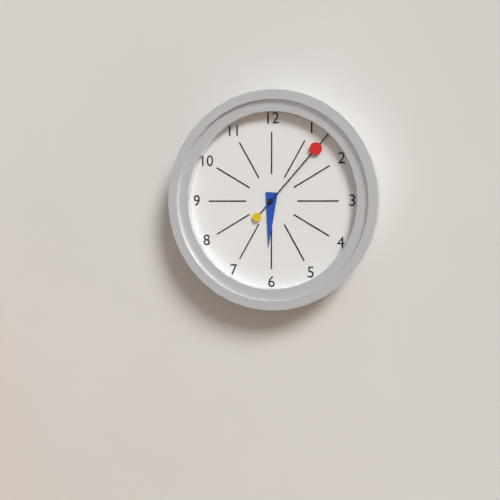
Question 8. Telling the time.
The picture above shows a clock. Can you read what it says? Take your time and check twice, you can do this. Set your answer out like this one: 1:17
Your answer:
6:07
